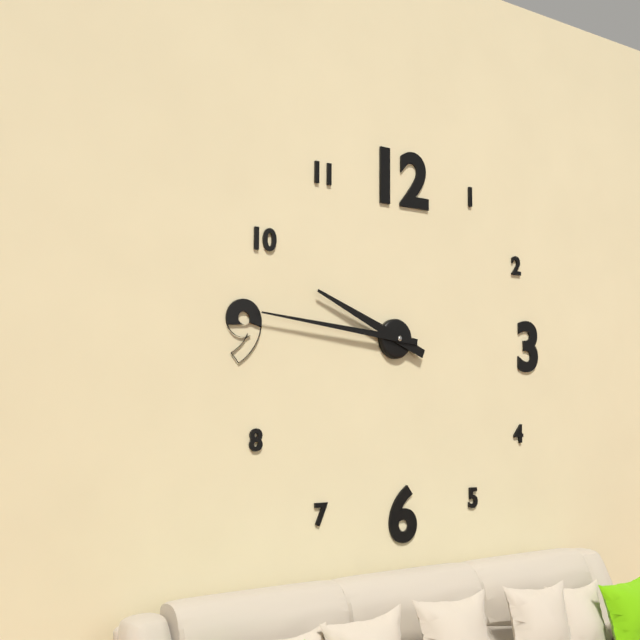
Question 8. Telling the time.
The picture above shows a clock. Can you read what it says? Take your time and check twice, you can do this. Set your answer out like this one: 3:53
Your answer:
9:46
